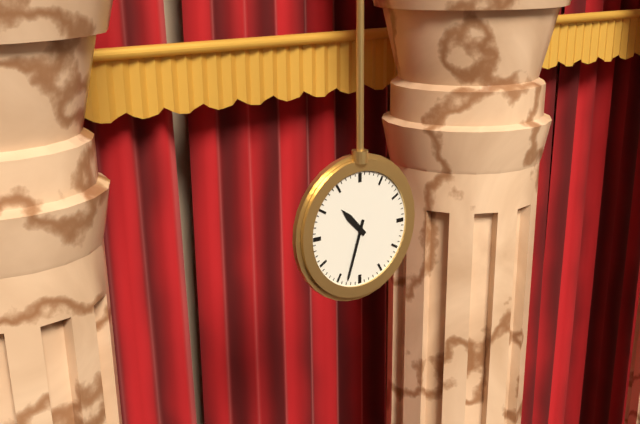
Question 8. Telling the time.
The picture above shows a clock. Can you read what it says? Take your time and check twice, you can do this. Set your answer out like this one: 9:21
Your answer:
10:33
